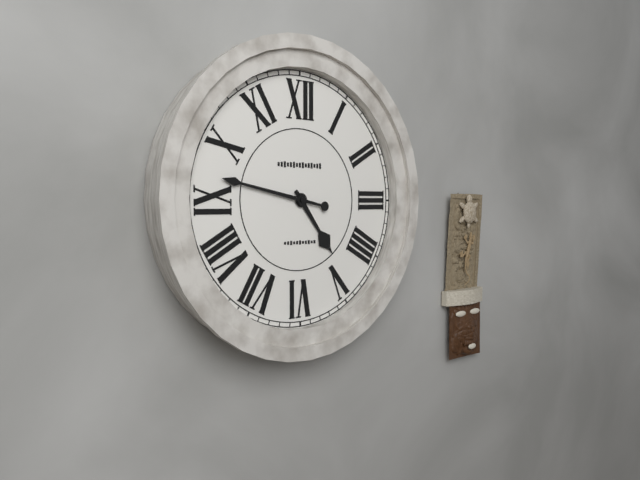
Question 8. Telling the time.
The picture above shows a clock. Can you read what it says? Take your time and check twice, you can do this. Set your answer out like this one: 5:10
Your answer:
4:47
